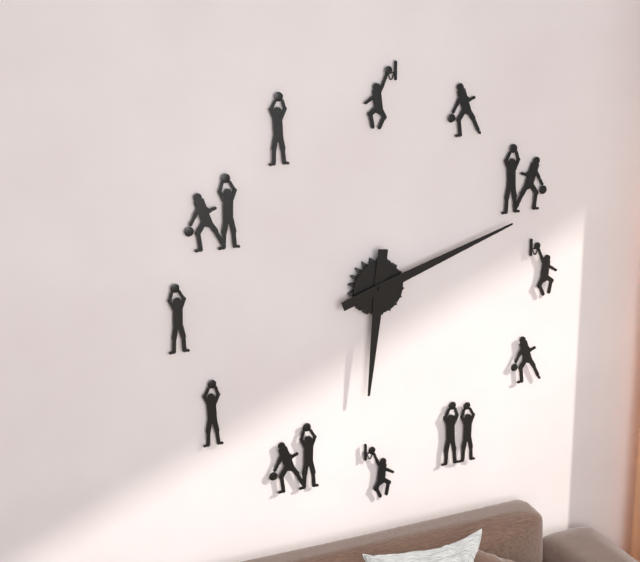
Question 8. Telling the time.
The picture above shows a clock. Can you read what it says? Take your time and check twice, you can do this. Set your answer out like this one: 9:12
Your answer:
6:12
